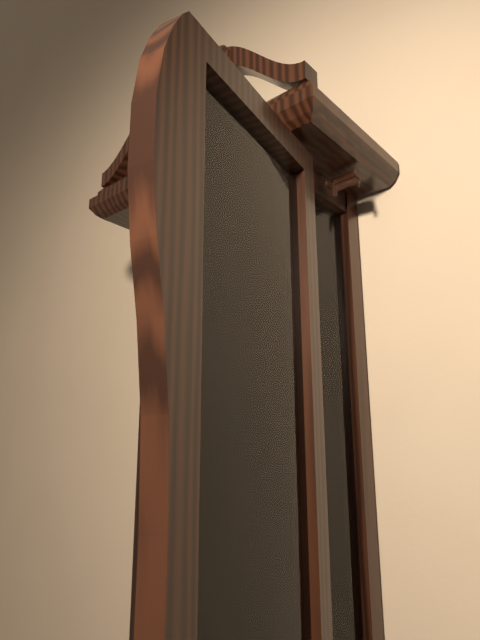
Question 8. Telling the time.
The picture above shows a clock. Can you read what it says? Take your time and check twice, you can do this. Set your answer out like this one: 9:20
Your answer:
1:17
